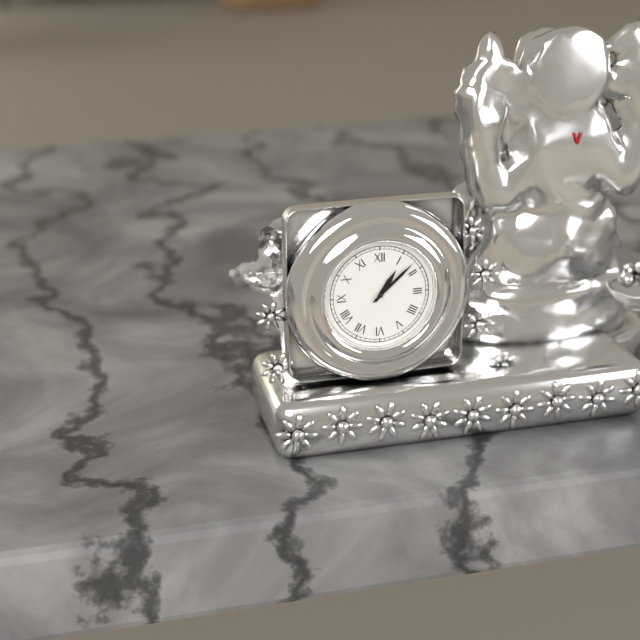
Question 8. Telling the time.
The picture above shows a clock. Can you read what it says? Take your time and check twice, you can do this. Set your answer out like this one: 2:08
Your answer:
1:08
